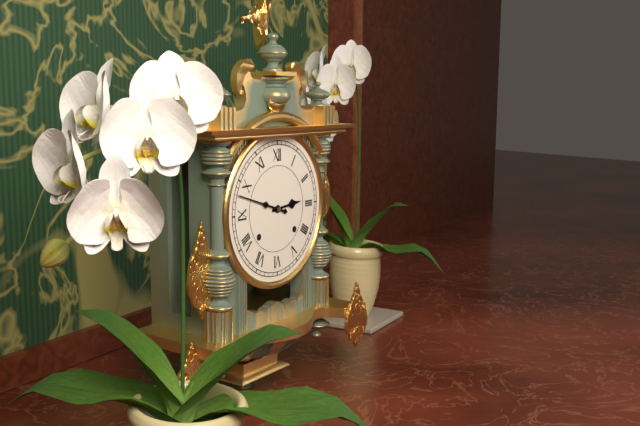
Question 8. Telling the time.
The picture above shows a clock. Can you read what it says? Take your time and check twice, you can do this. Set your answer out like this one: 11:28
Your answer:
2:48
